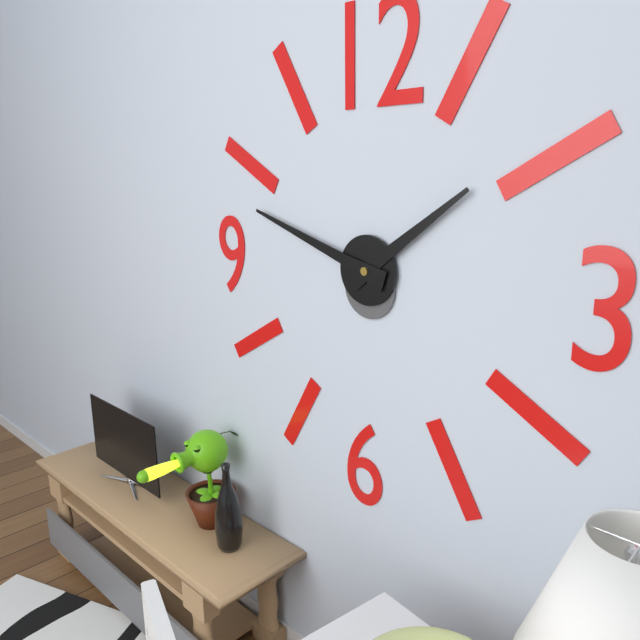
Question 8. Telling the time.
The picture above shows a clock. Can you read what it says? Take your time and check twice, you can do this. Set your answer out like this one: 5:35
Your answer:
1:48
